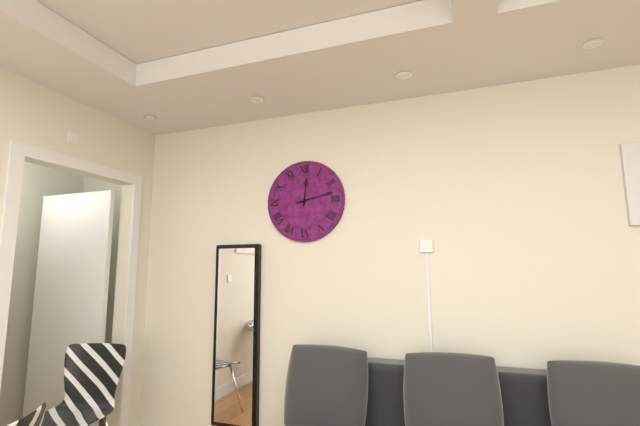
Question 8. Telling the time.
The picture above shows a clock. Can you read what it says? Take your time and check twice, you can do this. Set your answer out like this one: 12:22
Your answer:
12:13
